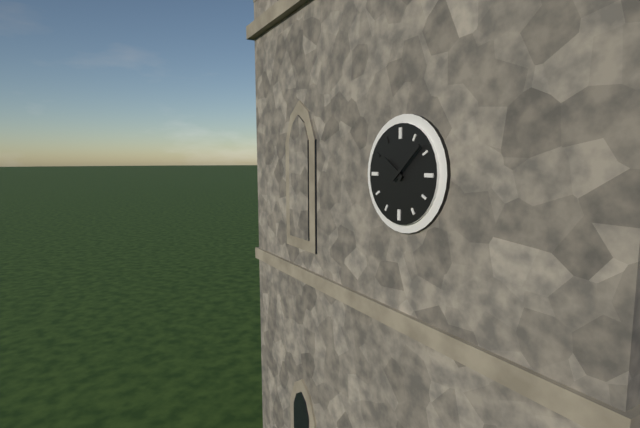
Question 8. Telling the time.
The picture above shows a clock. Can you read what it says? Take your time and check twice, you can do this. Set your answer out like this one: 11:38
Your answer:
10:08
